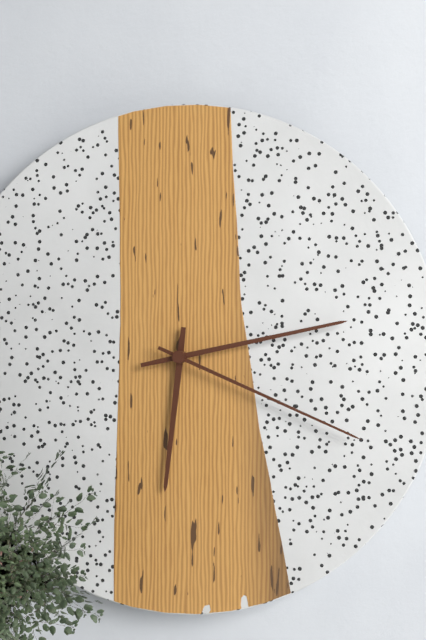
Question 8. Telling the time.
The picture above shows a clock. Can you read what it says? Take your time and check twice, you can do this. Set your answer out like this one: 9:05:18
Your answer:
6:13:19
